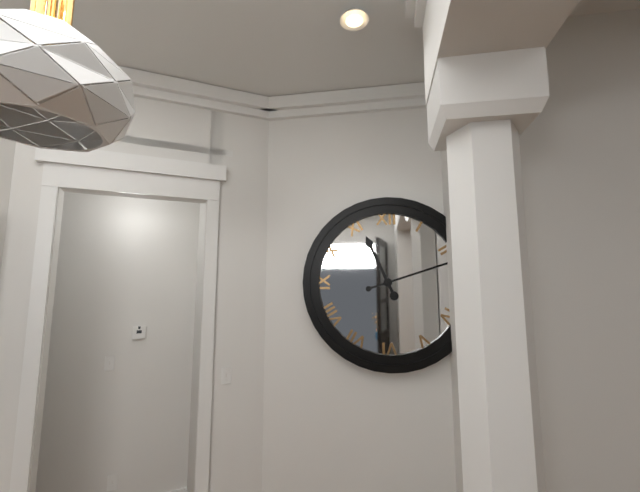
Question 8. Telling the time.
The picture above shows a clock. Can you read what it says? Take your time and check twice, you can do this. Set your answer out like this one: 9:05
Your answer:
11:12
